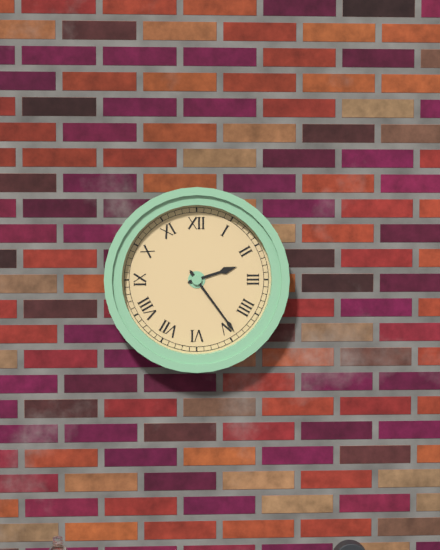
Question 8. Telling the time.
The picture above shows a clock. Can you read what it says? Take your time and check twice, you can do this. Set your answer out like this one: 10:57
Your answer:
2:24
